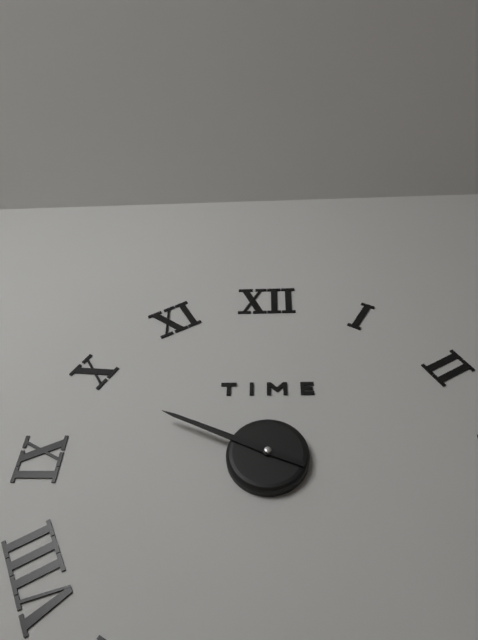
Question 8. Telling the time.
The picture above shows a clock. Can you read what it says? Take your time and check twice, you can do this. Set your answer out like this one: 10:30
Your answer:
9:49
